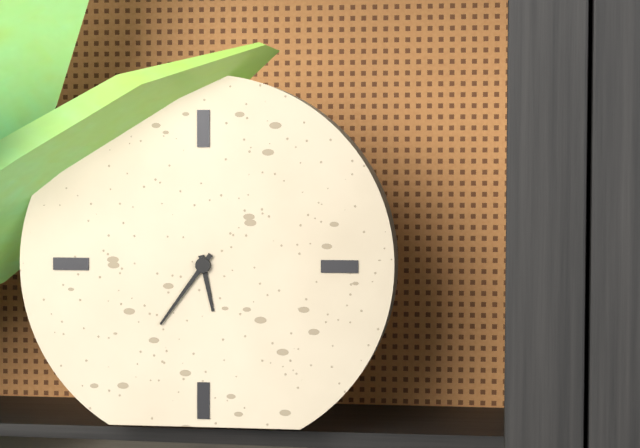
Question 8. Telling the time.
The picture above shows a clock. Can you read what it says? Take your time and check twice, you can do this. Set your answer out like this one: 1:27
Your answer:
5:36
